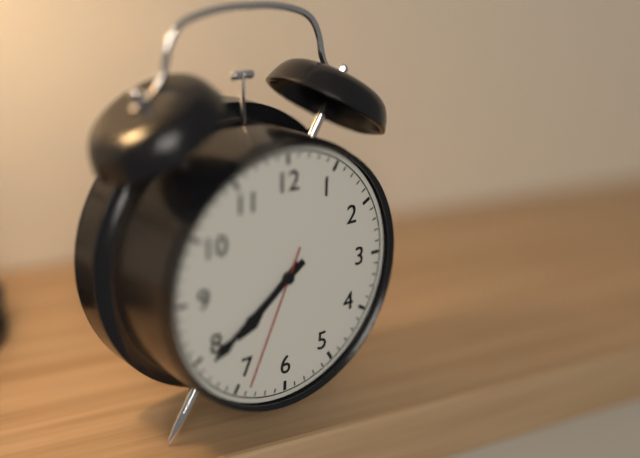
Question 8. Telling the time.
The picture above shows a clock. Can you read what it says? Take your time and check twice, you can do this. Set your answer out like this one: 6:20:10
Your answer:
7:39:34
